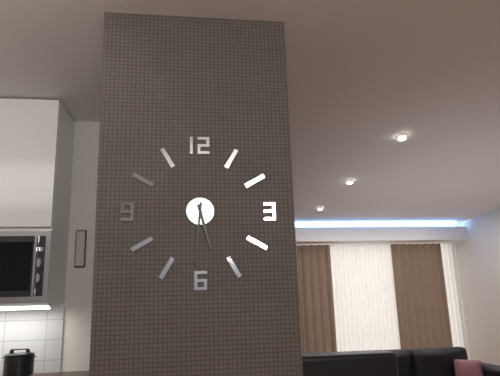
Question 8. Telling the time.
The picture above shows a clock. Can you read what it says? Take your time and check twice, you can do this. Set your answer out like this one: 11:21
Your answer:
5:31
